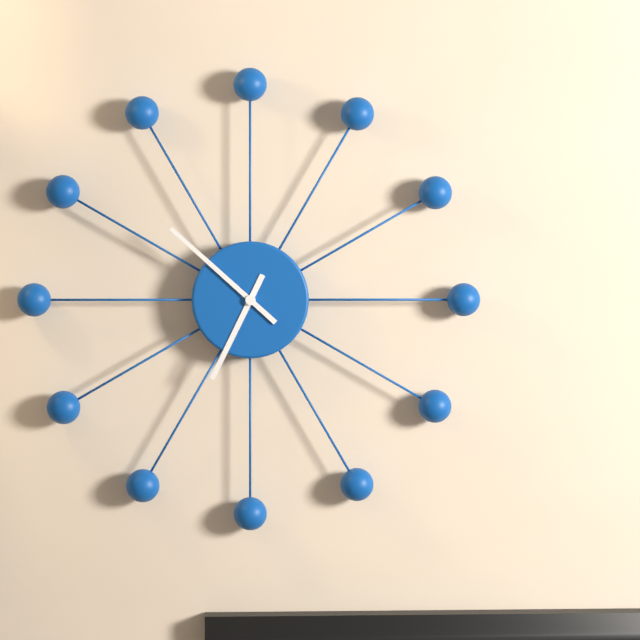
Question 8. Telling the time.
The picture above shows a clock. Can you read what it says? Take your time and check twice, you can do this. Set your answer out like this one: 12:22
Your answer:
6:52
